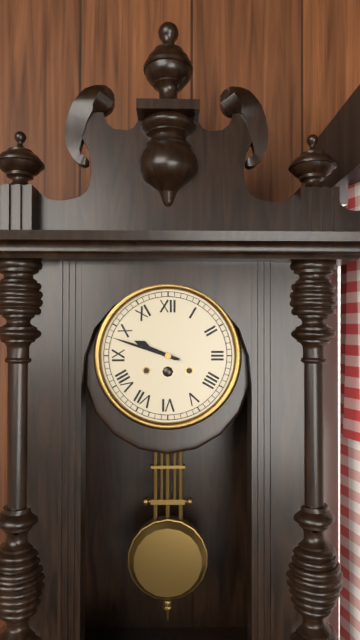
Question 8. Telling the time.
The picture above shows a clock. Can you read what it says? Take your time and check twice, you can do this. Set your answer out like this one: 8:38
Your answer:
9:48
